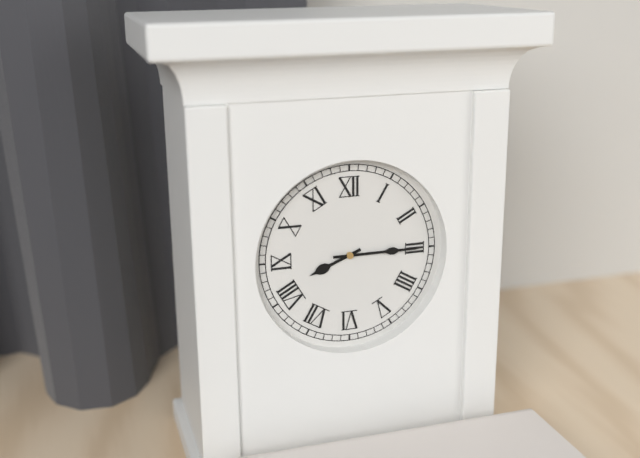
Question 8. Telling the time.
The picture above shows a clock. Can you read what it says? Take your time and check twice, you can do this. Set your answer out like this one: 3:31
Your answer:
8:15
